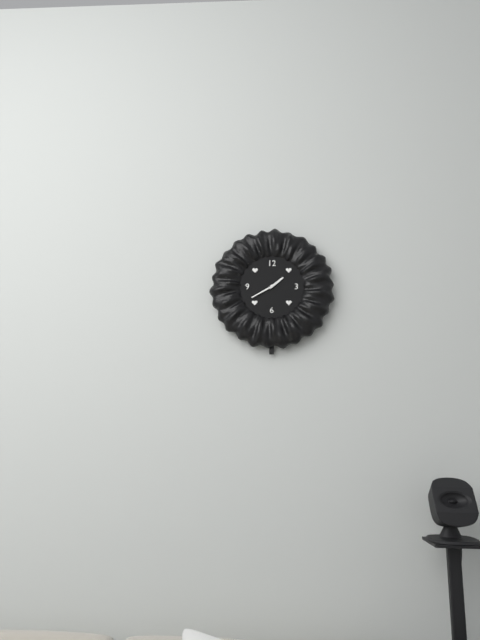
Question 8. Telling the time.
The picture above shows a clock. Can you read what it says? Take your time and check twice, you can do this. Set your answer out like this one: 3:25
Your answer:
1:40
